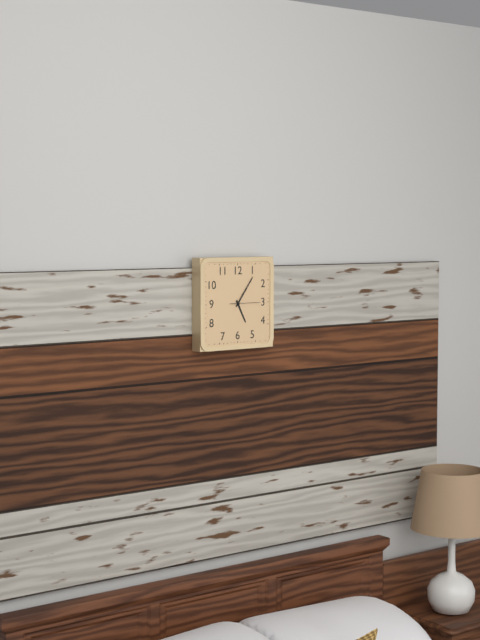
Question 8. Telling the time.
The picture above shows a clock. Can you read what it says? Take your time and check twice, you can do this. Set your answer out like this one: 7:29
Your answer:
5:06
